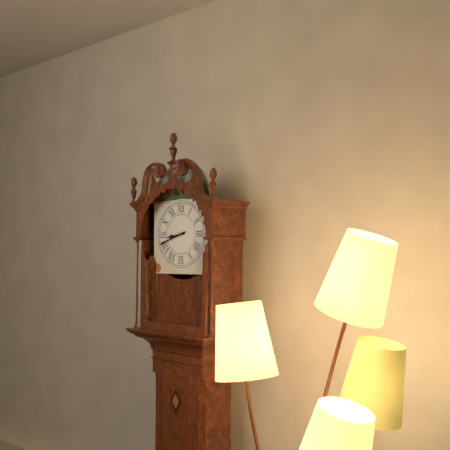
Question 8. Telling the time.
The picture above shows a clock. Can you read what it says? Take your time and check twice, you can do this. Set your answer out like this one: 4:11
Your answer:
8:42
